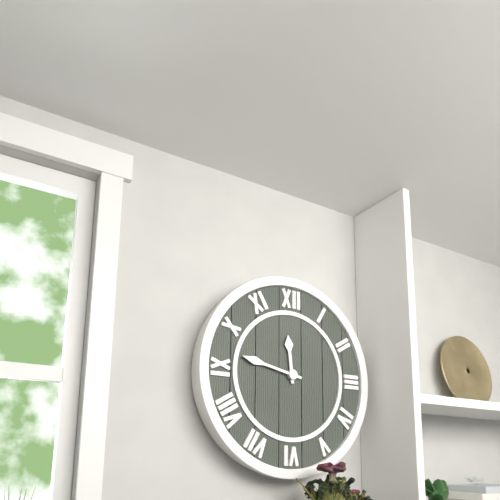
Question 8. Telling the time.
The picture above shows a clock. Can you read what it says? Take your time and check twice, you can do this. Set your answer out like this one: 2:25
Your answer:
11:47
